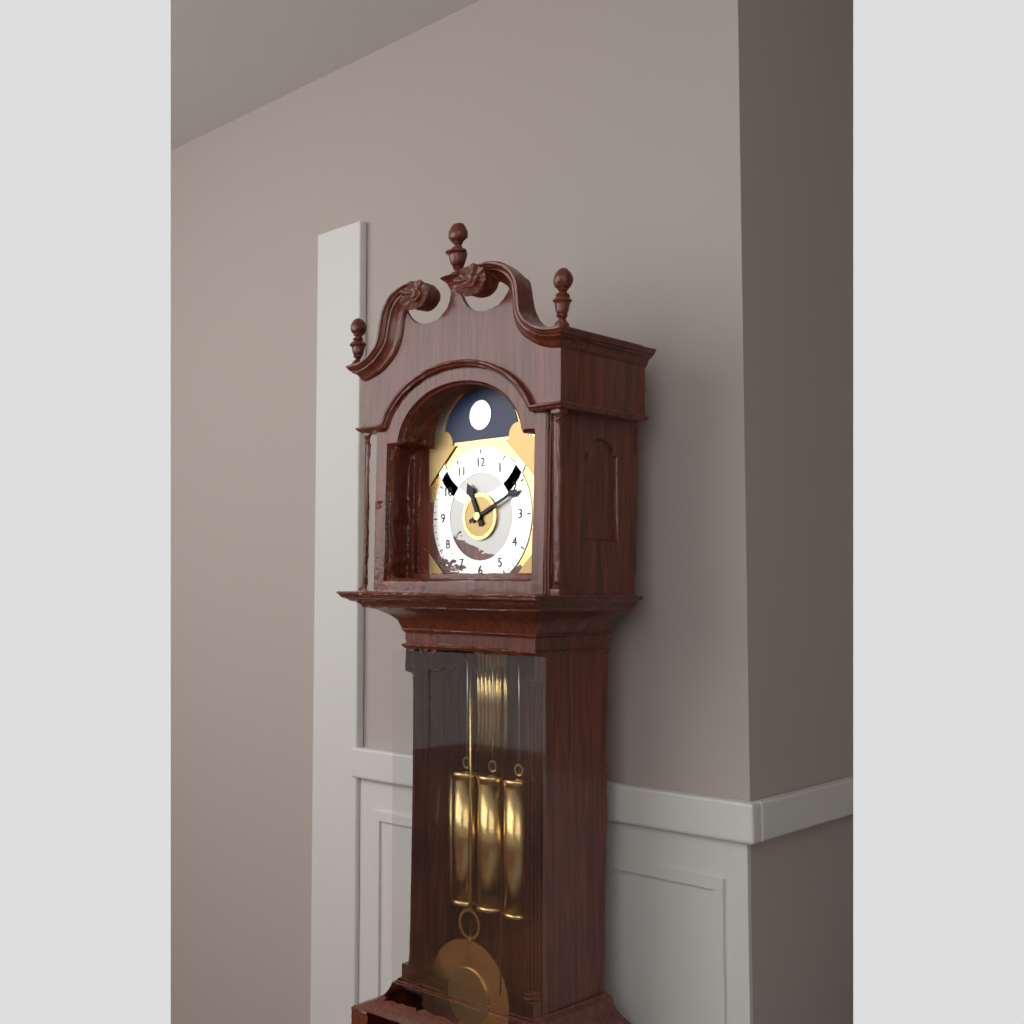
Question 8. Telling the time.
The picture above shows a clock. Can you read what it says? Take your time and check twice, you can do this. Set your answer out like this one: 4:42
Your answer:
11:11
